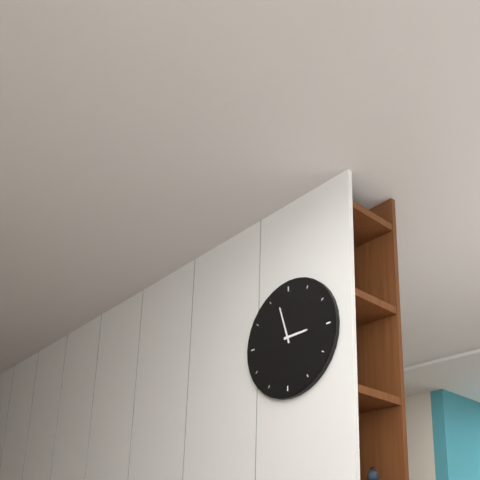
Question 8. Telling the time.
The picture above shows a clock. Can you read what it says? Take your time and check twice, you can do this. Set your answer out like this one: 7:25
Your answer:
2:57
